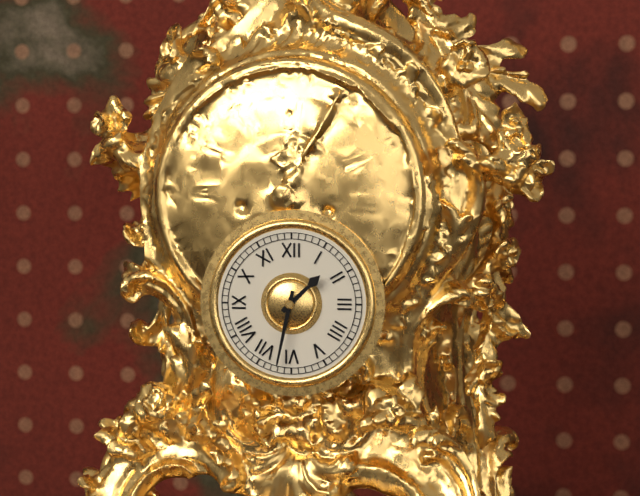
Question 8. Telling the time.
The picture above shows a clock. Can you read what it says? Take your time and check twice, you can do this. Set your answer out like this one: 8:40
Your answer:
1:32
